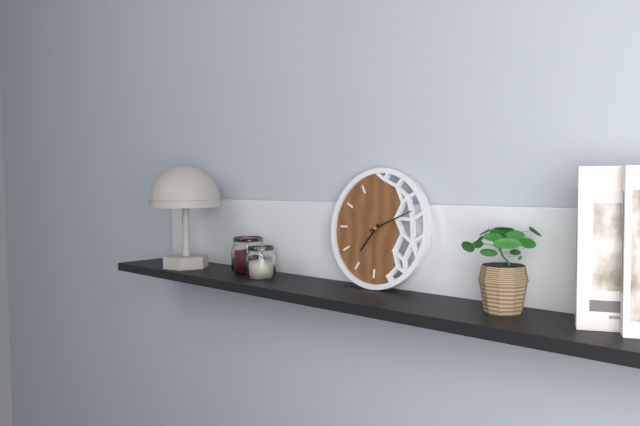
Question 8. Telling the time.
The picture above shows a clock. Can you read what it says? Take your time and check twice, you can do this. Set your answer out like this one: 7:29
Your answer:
7:11
